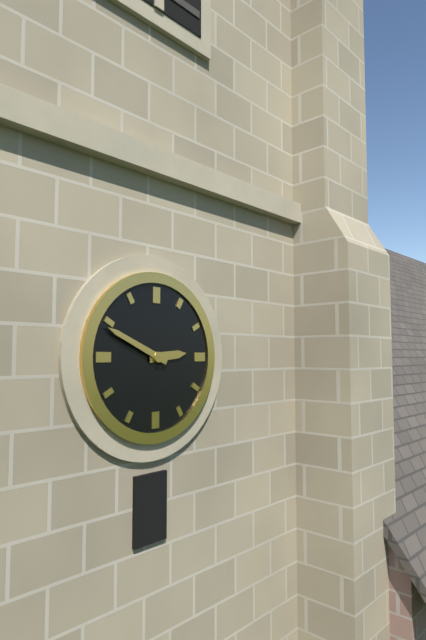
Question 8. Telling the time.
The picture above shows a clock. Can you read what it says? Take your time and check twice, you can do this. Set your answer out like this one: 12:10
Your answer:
2:49
